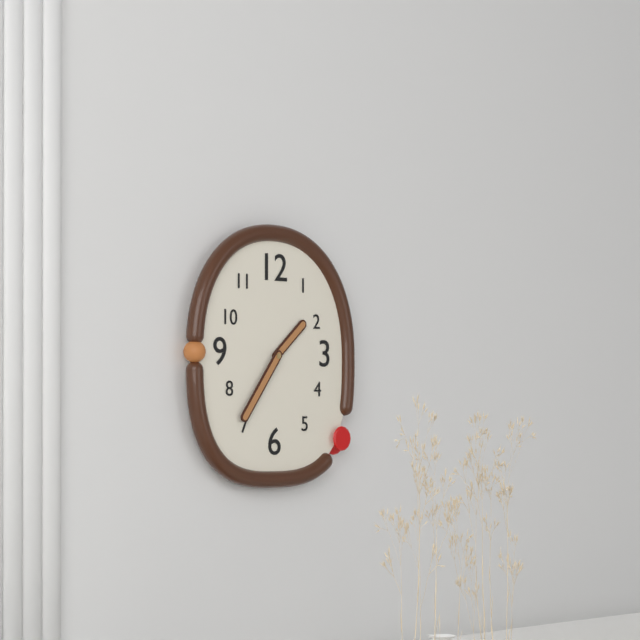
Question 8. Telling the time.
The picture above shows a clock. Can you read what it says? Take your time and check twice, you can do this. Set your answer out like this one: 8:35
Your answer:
1:36
